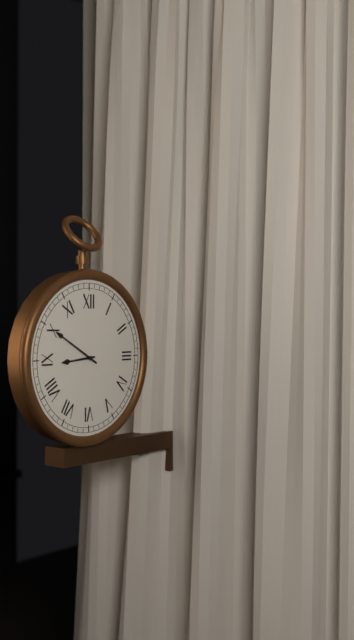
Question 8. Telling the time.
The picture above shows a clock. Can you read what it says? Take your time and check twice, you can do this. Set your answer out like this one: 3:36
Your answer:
8:50
